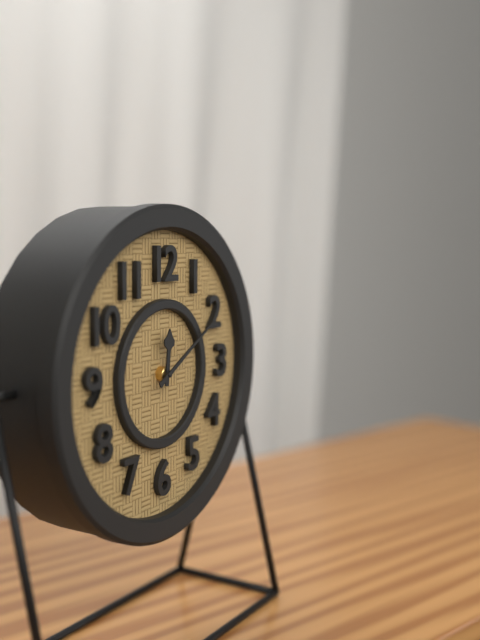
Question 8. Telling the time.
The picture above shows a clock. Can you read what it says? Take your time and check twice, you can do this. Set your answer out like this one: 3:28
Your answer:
12:10
